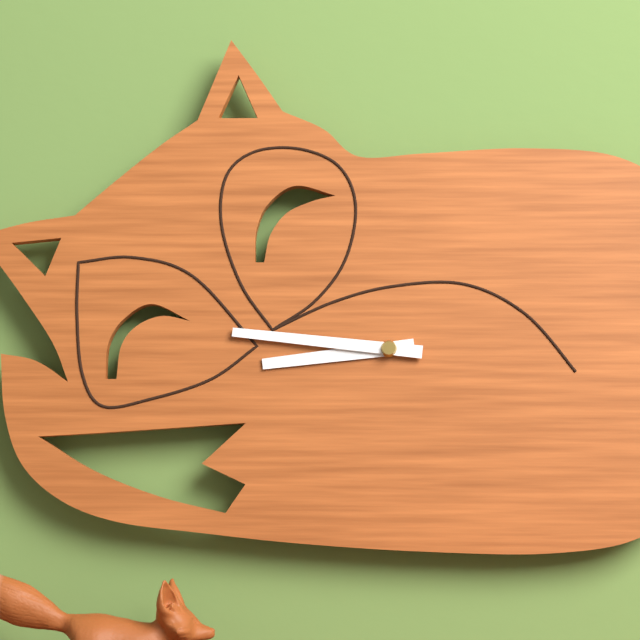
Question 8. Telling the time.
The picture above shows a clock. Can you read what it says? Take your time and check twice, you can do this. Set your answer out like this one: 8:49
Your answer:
8:46
